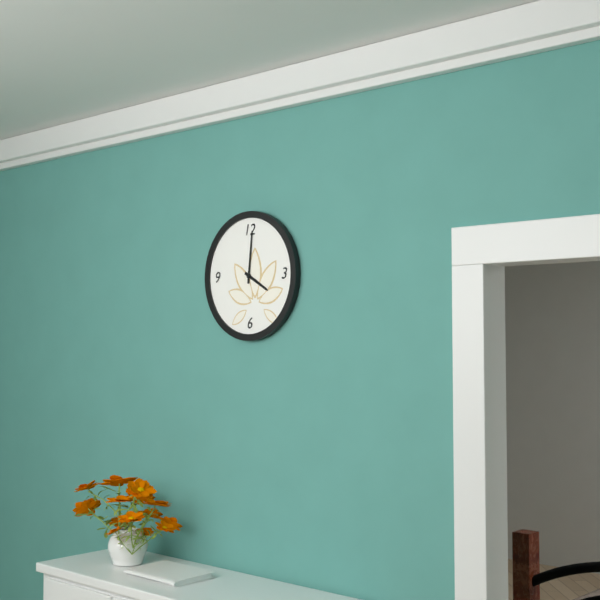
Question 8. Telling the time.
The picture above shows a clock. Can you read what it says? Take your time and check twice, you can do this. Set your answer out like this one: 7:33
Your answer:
4:01
